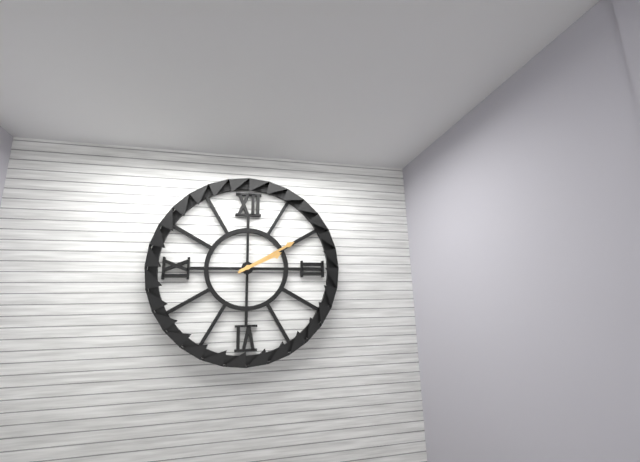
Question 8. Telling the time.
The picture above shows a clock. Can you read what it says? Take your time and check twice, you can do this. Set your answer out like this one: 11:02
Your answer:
2:10
